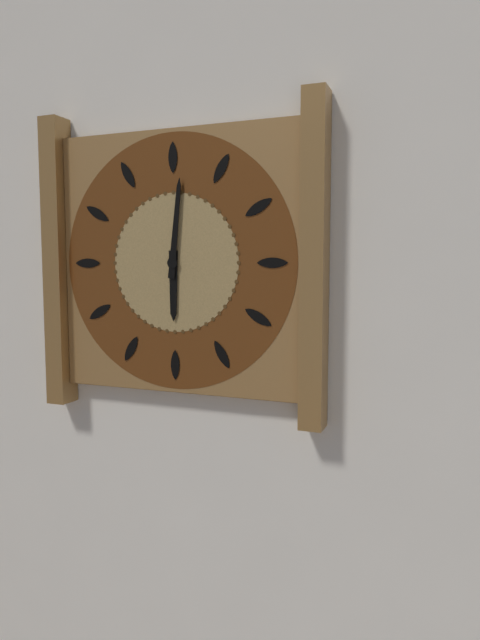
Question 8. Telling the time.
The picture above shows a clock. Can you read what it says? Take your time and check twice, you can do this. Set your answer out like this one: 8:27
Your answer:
6:01
